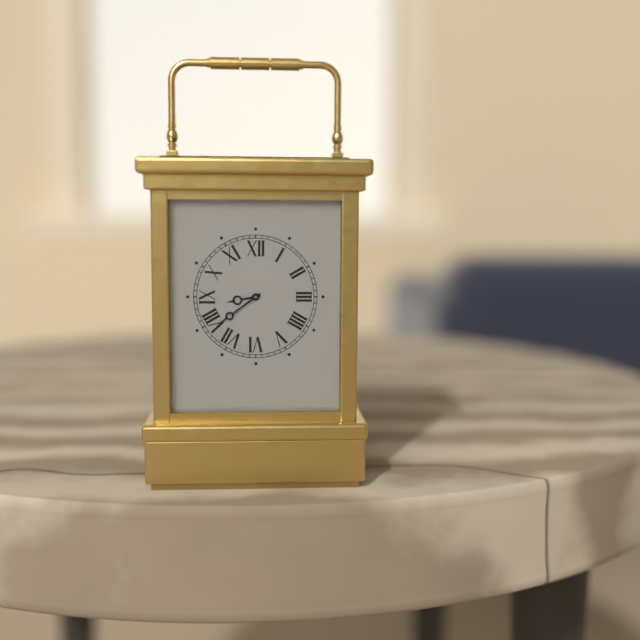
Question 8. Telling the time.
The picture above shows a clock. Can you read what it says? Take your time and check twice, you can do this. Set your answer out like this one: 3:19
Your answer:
8:39
